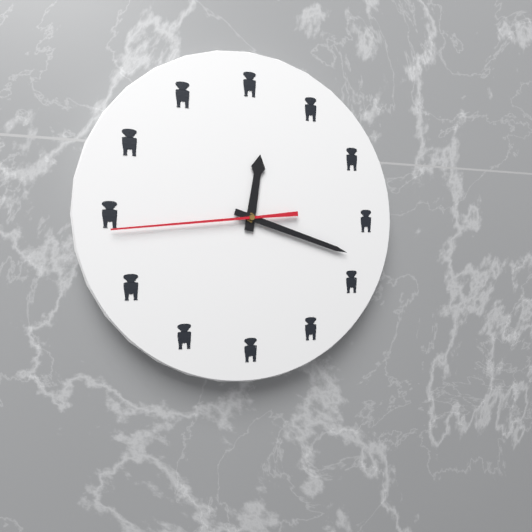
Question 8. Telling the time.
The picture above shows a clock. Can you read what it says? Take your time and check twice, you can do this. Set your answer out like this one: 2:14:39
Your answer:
12:18:44
